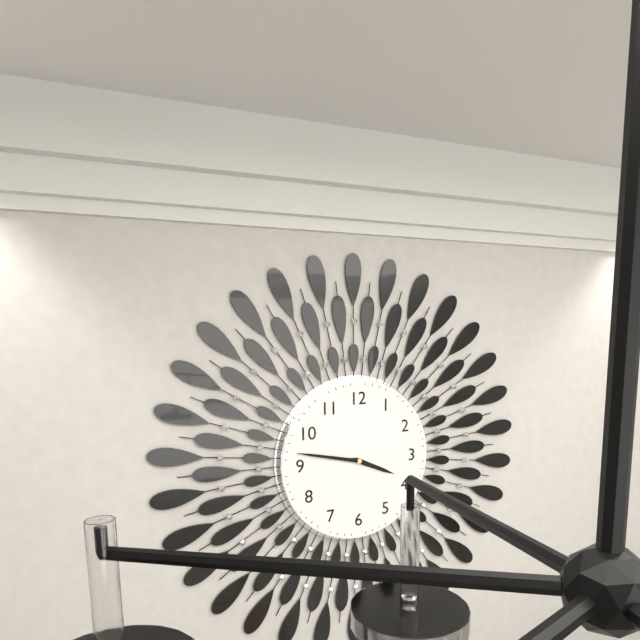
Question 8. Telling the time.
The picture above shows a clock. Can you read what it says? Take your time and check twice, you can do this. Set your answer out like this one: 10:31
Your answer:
3:47
